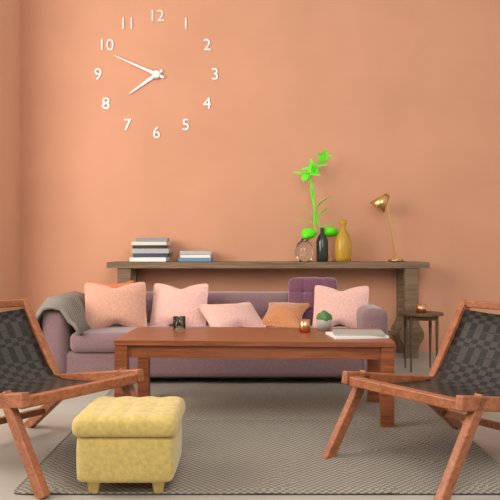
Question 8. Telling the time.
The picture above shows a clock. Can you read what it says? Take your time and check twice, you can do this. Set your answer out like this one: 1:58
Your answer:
7:49
